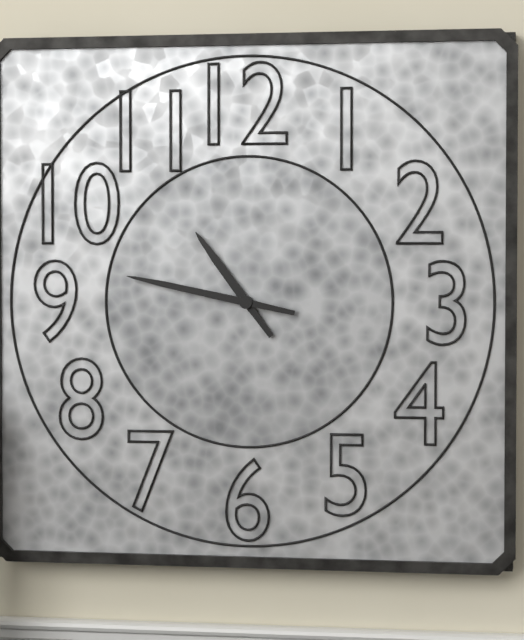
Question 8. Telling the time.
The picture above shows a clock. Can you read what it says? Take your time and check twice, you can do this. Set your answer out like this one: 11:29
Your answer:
10:47
